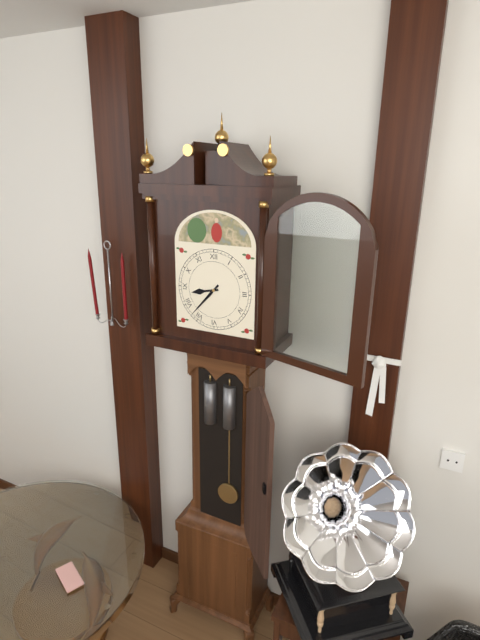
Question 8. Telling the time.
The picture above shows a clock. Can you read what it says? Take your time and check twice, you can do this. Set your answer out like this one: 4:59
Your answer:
8:37
